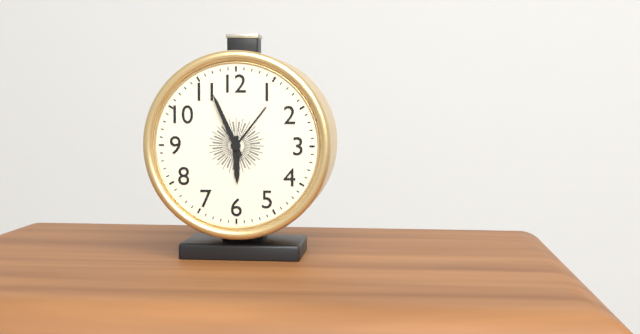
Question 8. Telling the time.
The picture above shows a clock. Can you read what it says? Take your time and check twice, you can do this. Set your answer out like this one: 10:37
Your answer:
5:56
